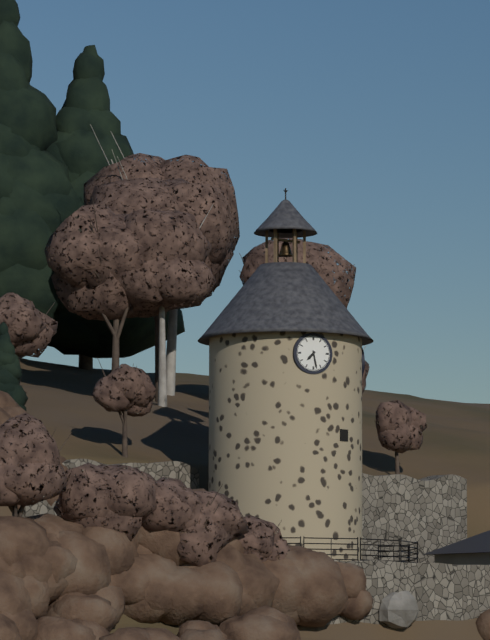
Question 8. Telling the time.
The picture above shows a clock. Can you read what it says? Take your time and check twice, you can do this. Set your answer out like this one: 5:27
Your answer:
7:28
